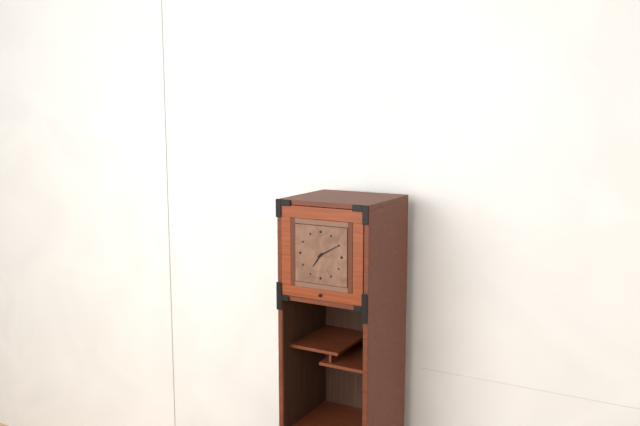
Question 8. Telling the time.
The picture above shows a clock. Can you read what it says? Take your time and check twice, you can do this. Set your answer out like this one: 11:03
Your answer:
7:10
